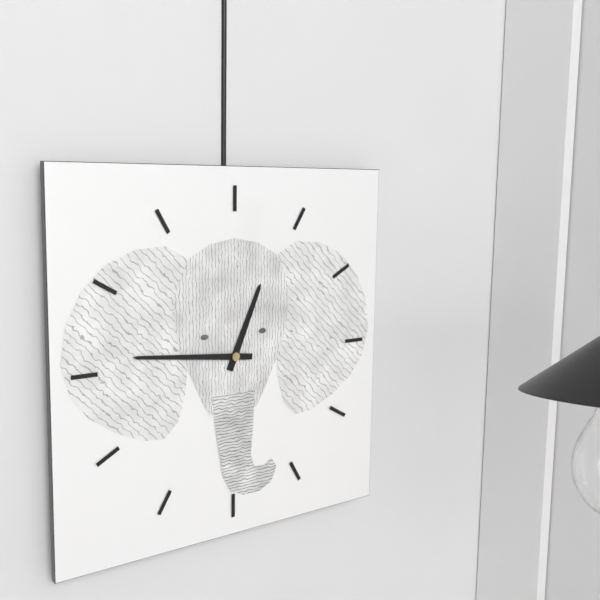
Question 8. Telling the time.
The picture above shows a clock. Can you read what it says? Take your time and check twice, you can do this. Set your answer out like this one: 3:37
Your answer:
12:46
